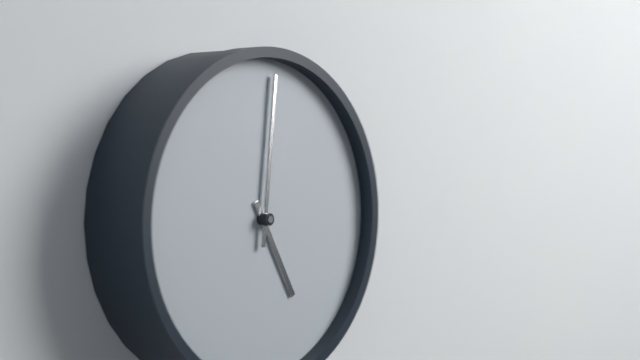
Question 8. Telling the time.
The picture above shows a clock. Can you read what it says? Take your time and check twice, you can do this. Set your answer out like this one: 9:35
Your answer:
5:01
